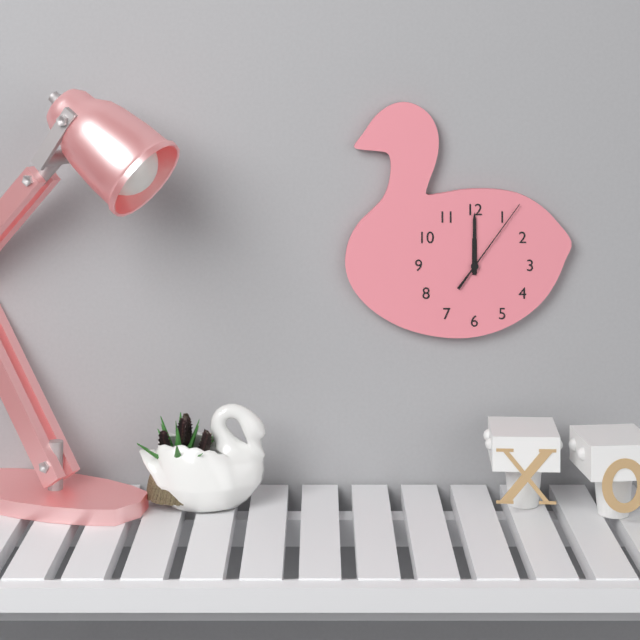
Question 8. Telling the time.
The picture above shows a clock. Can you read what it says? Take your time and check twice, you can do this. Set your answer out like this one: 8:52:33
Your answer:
12:00:06
